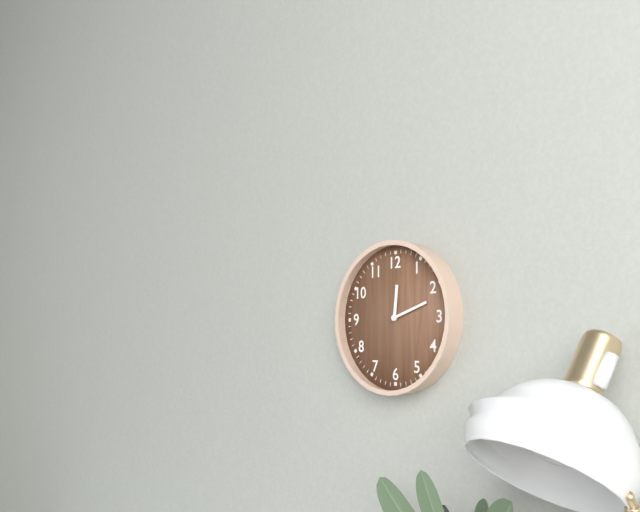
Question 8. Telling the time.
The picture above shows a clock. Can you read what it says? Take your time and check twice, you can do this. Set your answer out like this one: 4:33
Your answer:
12:12
